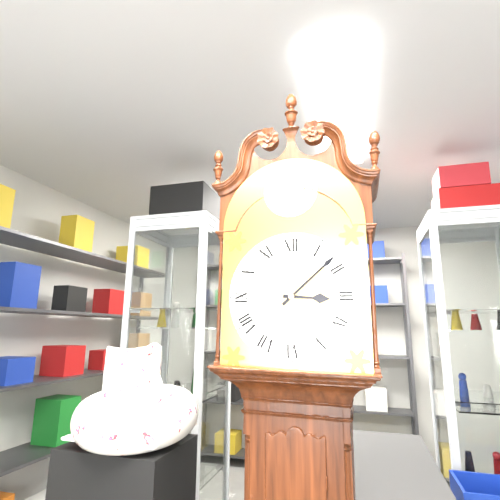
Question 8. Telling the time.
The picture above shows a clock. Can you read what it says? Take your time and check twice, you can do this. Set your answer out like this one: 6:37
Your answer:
3:08
